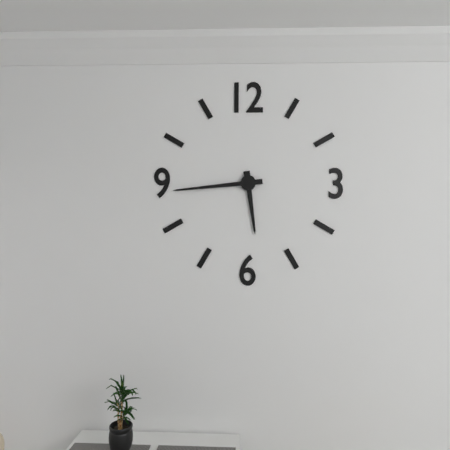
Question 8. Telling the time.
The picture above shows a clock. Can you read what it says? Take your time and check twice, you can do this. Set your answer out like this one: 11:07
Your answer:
5:44
